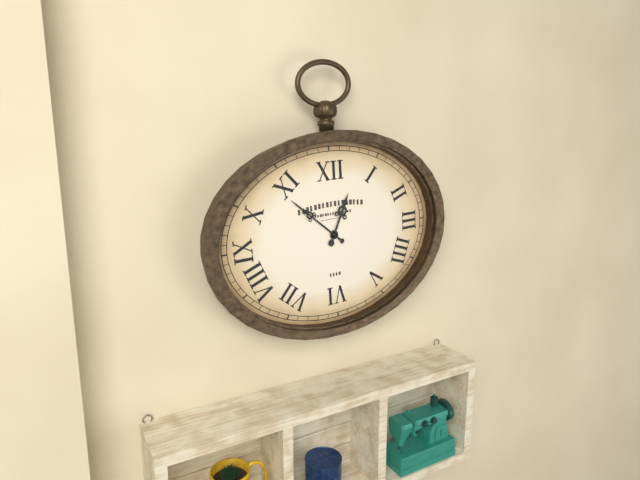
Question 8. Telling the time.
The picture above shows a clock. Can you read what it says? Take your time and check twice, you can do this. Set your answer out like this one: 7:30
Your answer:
12:52
